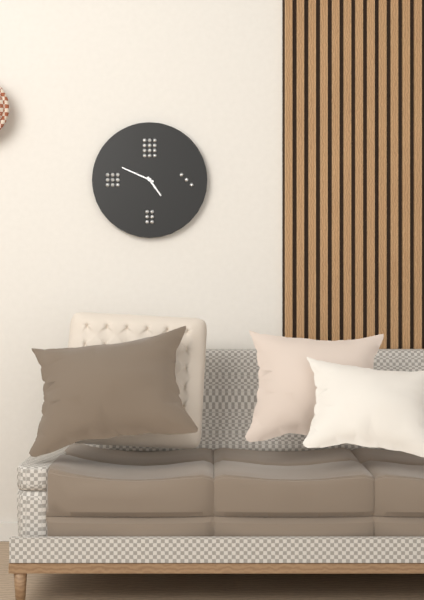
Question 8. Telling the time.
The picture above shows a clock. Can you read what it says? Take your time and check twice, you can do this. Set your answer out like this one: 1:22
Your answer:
4:49
